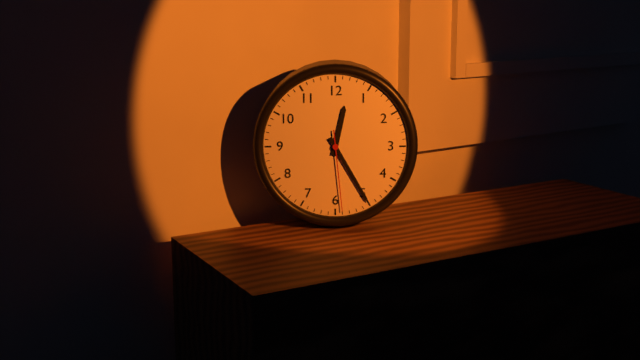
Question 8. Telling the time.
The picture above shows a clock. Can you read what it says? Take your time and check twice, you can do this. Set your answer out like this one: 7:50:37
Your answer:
12:25:29
